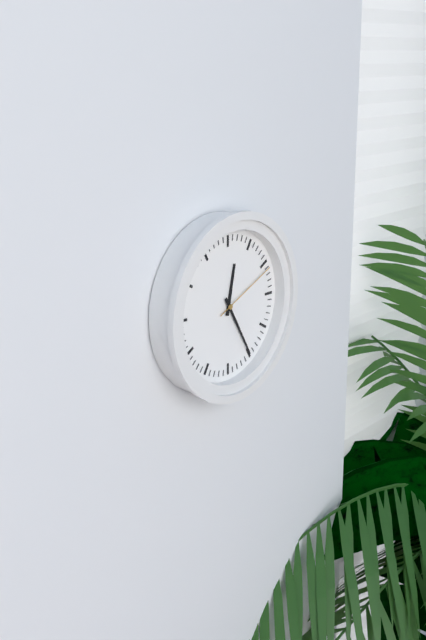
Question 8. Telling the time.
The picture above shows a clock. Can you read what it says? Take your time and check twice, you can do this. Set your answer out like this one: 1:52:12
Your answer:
12:25:11
